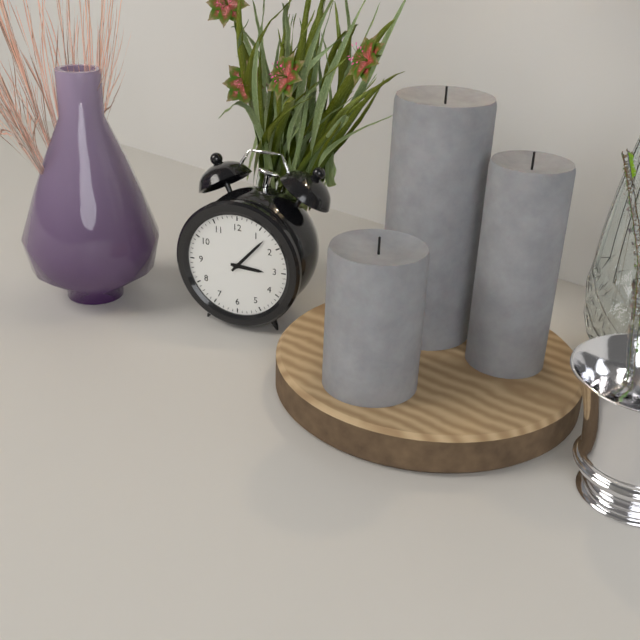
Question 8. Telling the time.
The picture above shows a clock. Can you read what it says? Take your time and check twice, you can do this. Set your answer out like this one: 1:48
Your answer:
3:07
